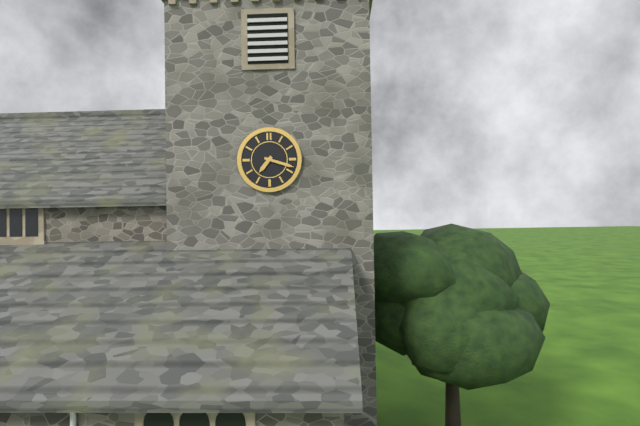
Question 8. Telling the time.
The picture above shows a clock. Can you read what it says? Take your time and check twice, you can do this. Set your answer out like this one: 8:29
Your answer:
7:18
